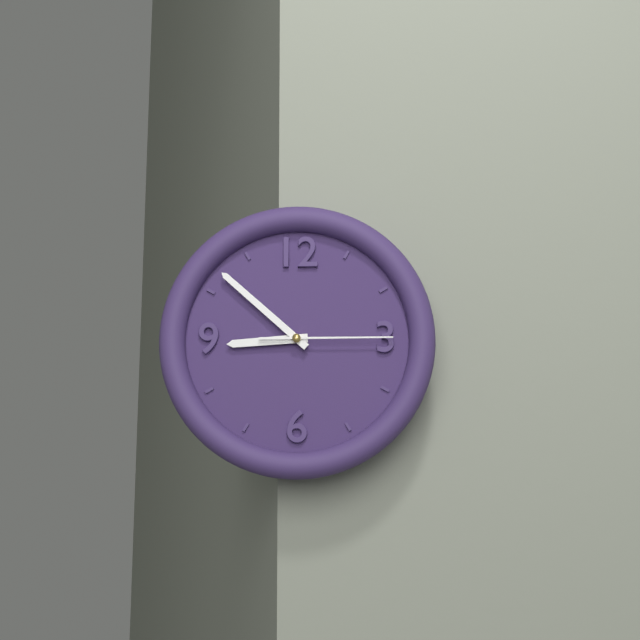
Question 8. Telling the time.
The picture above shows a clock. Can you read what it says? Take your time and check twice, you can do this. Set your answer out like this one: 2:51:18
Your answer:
8:52:15
